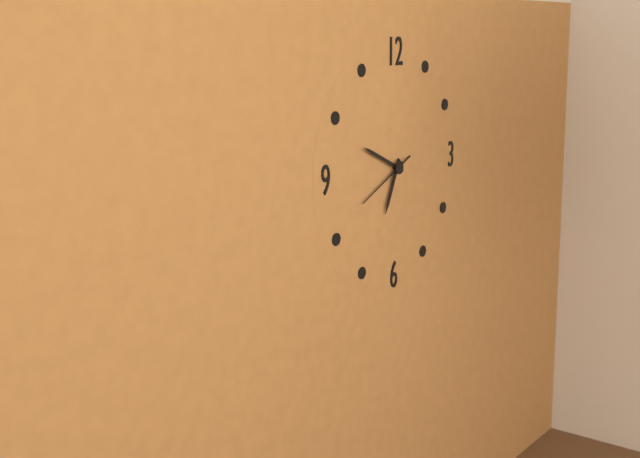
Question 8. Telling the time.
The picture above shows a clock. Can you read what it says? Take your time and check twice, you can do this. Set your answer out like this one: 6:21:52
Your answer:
6:49:41
